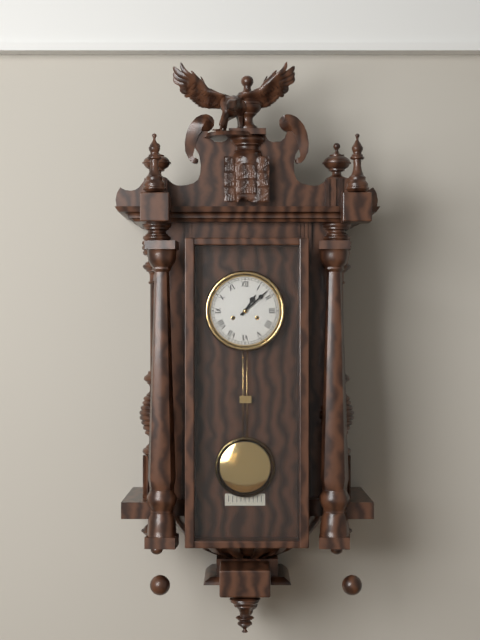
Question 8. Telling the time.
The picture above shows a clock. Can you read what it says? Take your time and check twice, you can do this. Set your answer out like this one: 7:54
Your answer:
1:08
